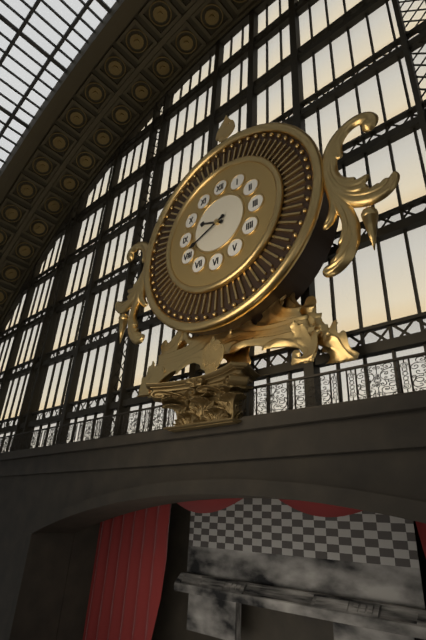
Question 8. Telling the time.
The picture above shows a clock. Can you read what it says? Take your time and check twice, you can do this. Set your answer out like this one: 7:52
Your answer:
9:41
